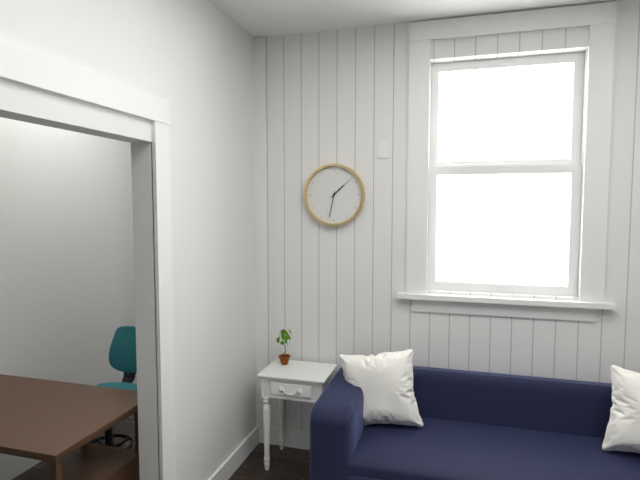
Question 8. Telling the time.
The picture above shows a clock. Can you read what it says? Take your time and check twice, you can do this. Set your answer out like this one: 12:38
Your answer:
1:32
